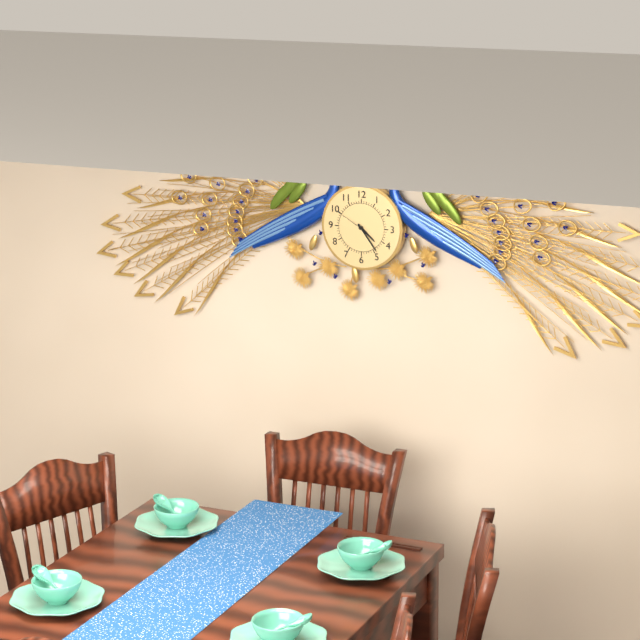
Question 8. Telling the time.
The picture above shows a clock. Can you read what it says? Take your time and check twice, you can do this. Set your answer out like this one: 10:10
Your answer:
4:24
